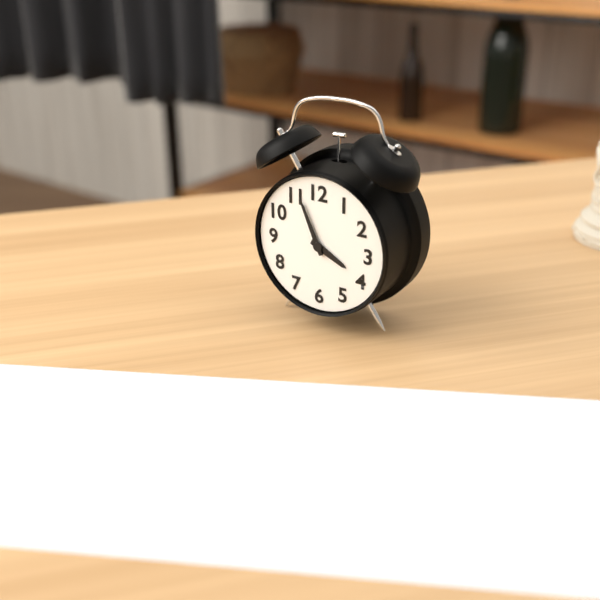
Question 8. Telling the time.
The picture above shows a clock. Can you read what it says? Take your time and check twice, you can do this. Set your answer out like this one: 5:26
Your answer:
3:56
